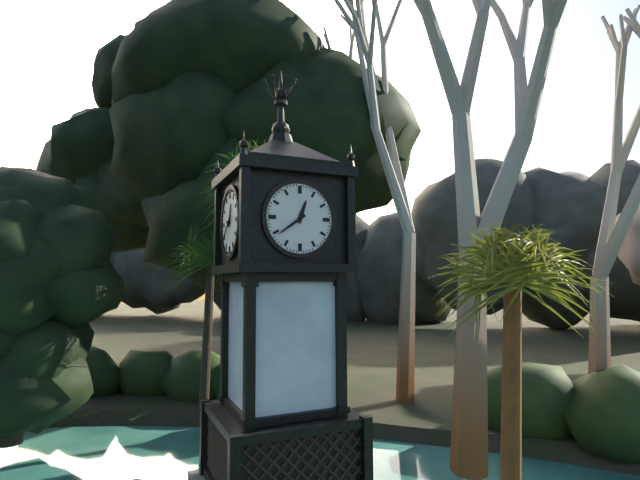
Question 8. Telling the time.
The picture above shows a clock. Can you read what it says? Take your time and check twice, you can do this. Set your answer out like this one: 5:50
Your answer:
12:39
